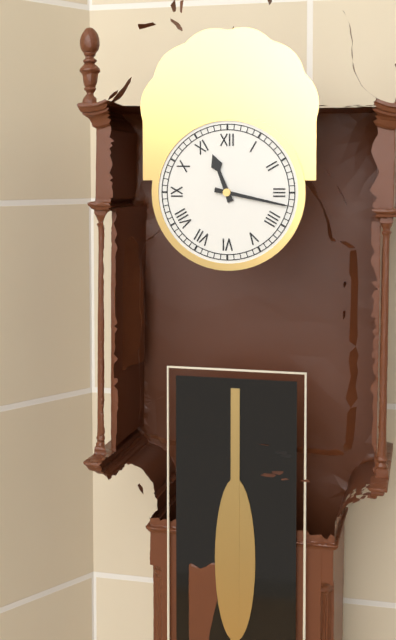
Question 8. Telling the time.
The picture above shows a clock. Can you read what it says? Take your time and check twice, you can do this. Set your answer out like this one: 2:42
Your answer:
11:17
